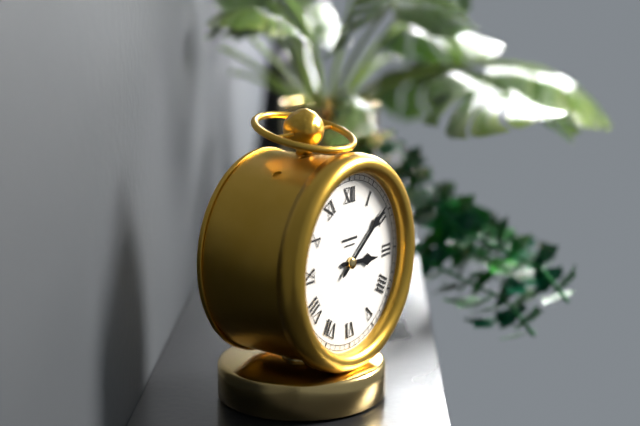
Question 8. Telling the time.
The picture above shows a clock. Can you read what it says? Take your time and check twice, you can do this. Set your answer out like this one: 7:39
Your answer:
3:09
